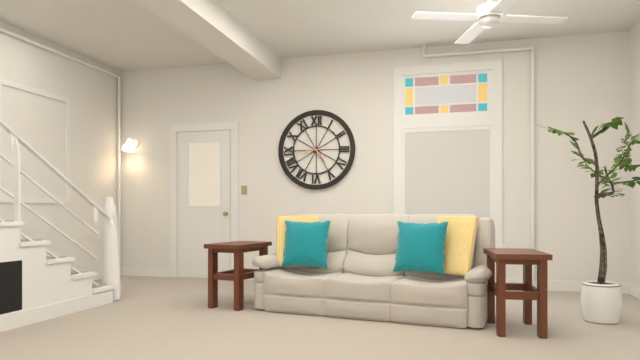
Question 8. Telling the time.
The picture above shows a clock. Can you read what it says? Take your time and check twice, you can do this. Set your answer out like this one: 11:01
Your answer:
4:44
